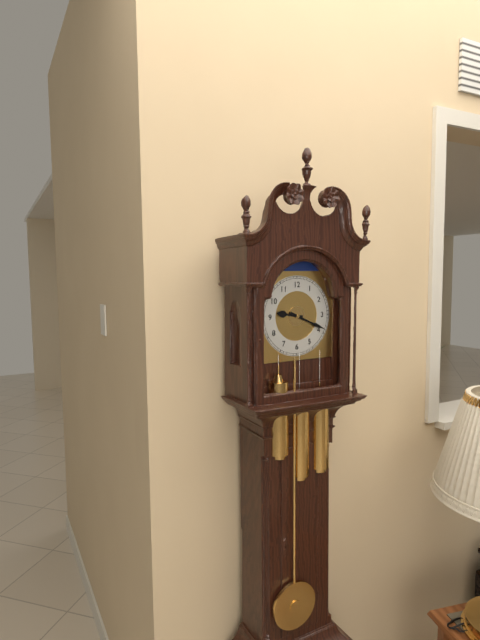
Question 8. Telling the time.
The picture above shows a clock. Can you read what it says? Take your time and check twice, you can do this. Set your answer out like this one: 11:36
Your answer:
9:19
